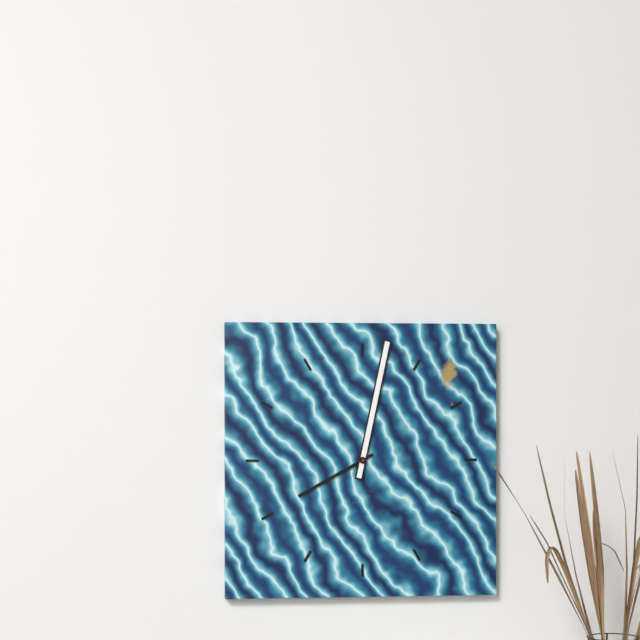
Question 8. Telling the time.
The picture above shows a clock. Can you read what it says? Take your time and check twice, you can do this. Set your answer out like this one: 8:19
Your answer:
8:02
